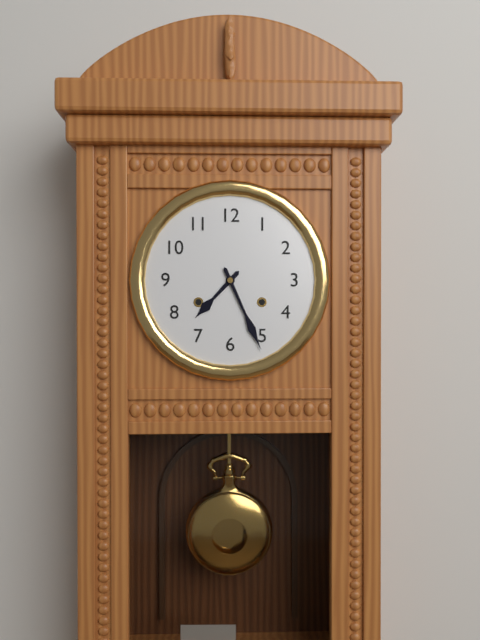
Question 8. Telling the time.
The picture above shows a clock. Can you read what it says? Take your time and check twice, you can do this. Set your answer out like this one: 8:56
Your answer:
7:26
